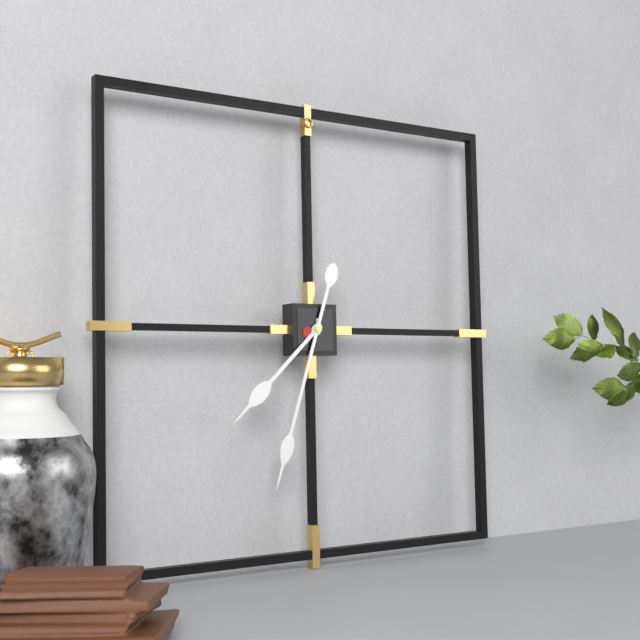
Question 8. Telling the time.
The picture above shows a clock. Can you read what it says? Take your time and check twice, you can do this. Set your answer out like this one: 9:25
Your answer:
7:33
